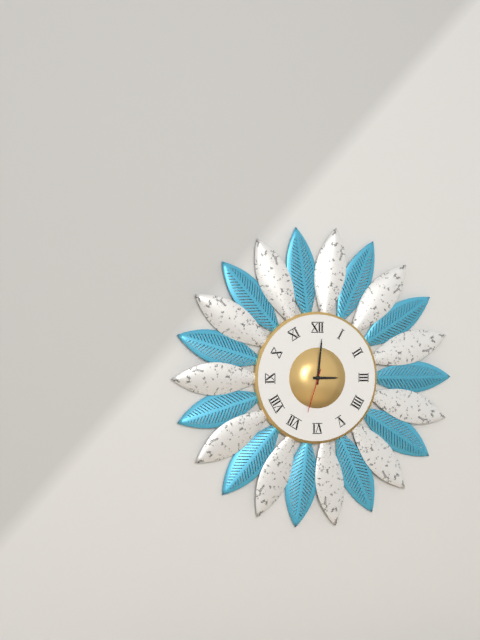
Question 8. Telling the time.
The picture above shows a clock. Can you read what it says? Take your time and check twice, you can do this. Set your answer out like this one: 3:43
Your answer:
3:01
